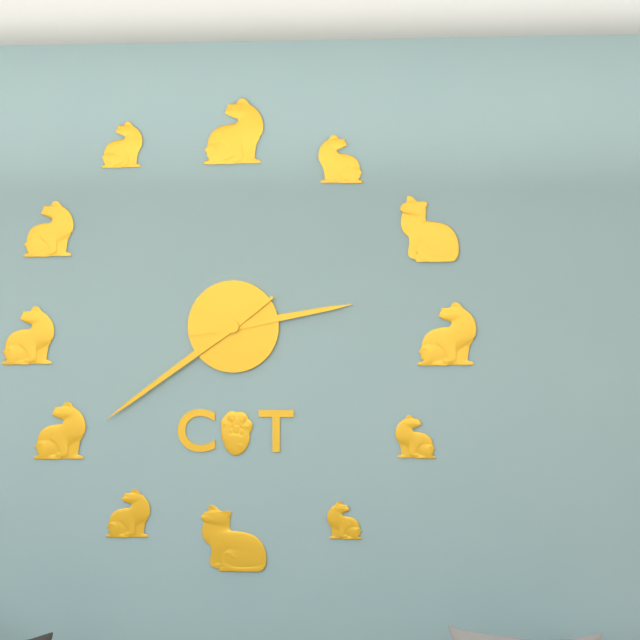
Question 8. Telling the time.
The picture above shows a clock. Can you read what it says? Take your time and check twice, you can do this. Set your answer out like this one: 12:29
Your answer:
2:39
